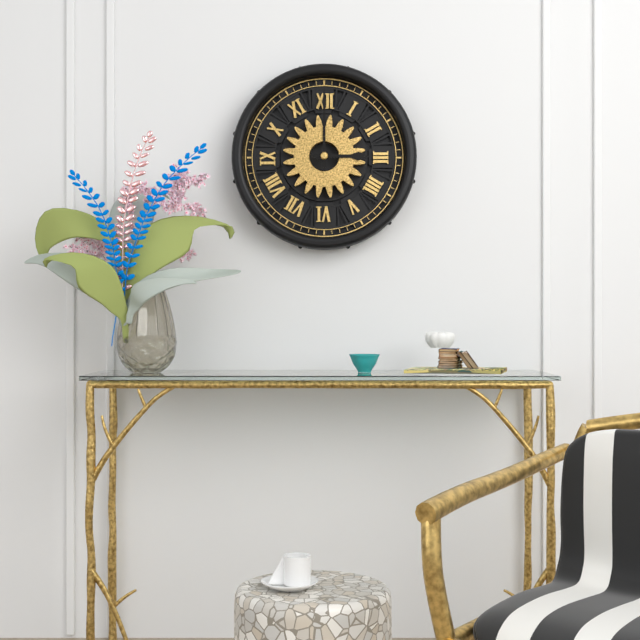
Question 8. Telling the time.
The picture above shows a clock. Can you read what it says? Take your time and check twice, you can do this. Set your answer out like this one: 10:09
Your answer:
3:00
